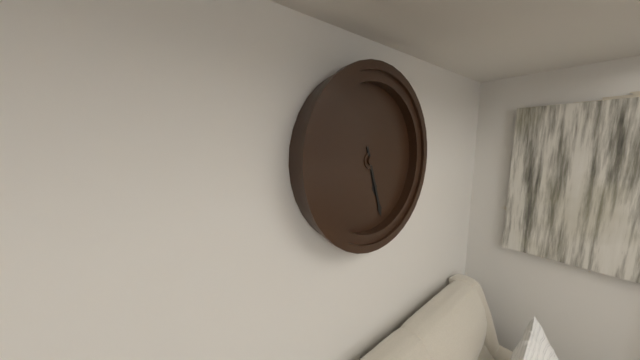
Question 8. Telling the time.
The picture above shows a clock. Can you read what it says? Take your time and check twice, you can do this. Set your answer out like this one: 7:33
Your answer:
5:27
